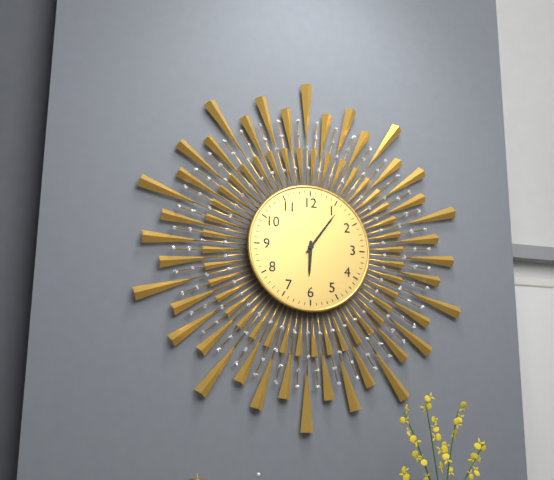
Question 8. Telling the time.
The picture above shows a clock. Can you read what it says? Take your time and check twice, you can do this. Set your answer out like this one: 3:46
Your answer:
6:06
